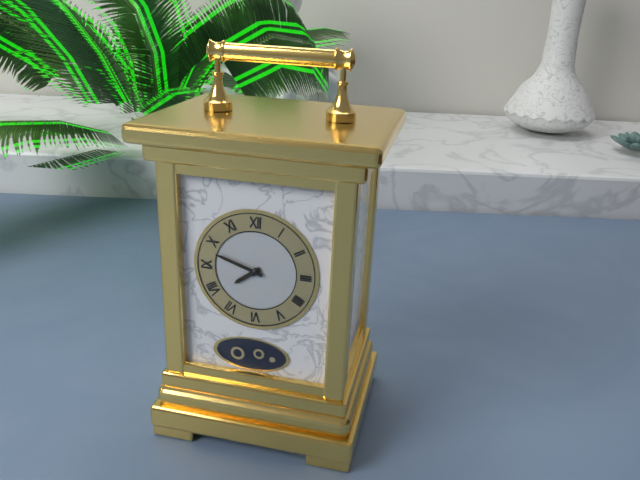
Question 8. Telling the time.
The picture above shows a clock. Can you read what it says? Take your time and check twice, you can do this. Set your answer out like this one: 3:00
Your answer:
7:48
